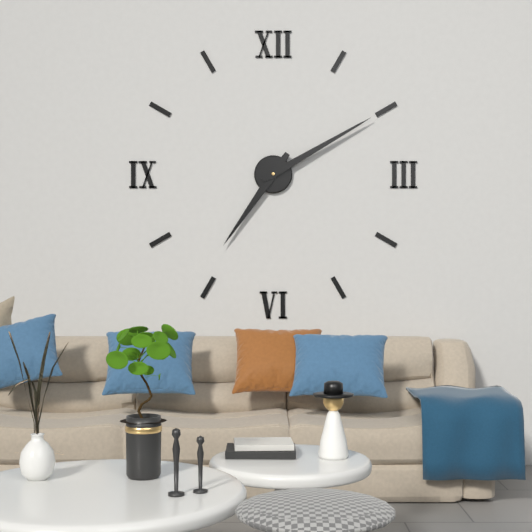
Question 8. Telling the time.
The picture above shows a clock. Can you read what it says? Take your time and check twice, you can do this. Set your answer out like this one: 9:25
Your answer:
7:10
